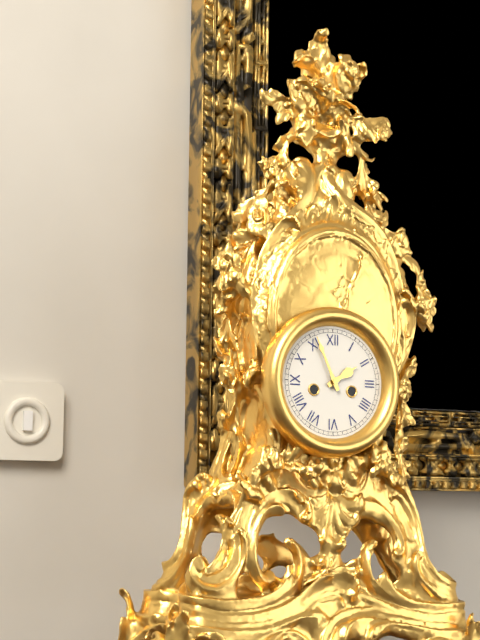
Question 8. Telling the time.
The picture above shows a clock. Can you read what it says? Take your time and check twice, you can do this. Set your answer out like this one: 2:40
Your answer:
1:56
